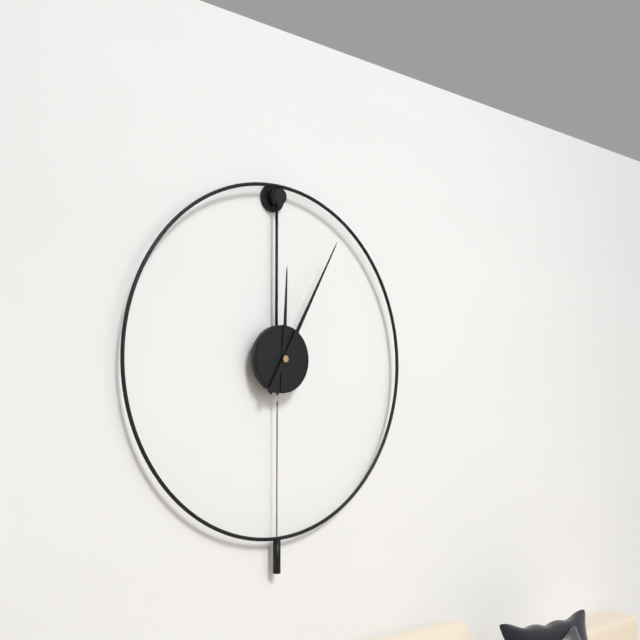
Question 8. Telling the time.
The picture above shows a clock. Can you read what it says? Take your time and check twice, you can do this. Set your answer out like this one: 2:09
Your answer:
12:05
